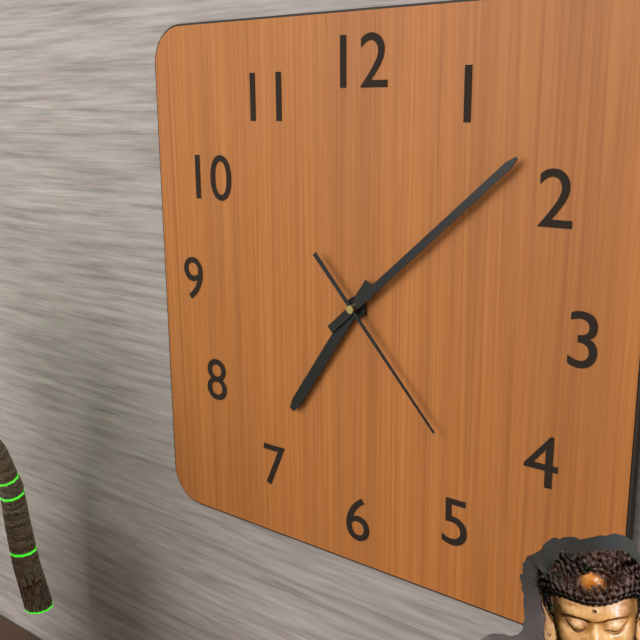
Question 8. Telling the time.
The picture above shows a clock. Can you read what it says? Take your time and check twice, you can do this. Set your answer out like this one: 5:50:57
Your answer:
7:08:23
